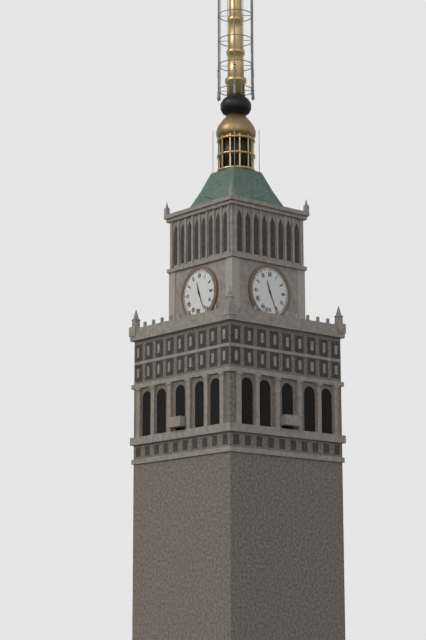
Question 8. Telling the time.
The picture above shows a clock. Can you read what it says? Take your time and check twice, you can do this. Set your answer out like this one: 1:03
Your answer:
11:26
